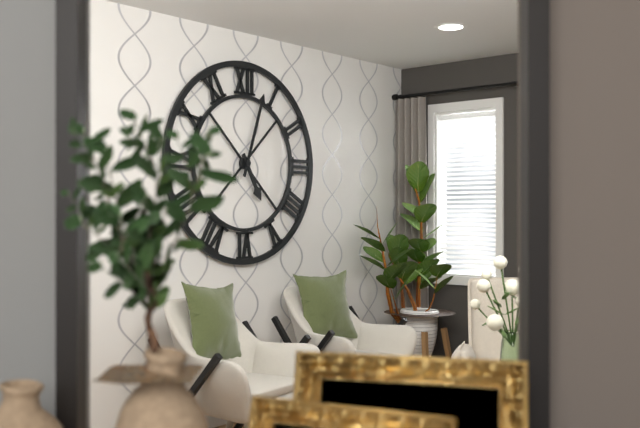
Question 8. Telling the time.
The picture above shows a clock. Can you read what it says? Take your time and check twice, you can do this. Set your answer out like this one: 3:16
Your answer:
5:03
